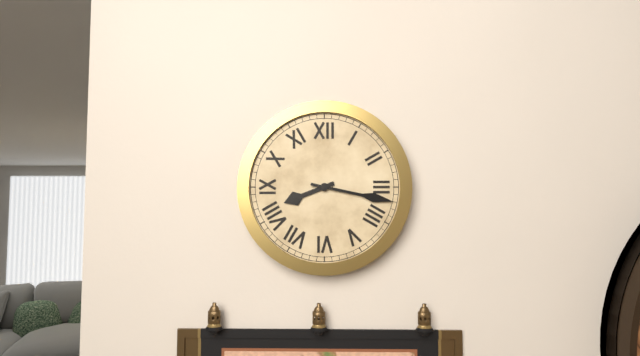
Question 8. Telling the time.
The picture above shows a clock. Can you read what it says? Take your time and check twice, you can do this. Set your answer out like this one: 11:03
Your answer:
8:17
